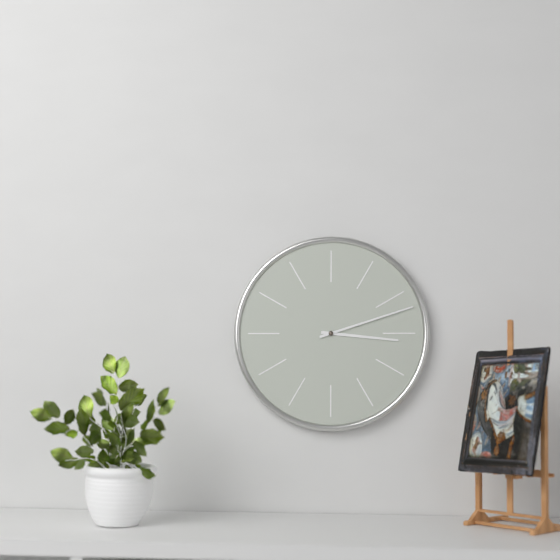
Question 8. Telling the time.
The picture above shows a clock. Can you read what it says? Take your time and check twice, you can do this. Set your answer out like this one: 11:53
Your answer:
3:12
